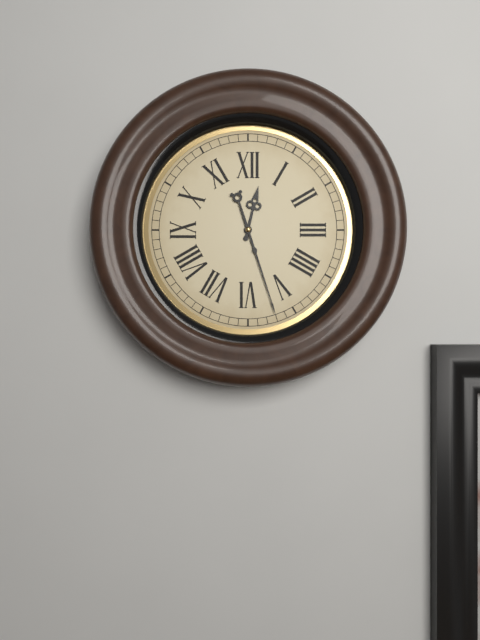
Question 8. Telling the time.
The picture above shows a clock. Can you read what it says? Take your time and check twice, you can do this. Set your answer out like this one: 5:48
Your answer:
12:27
